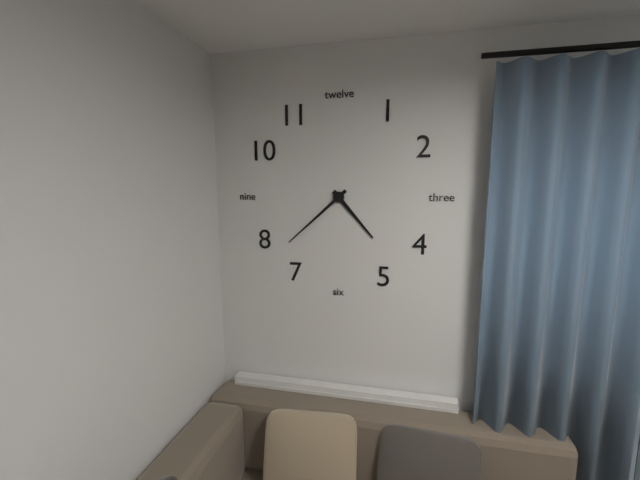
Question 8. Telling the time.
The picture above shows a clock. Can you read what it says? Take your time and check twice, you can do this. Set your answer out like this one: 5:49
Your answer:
4:38
